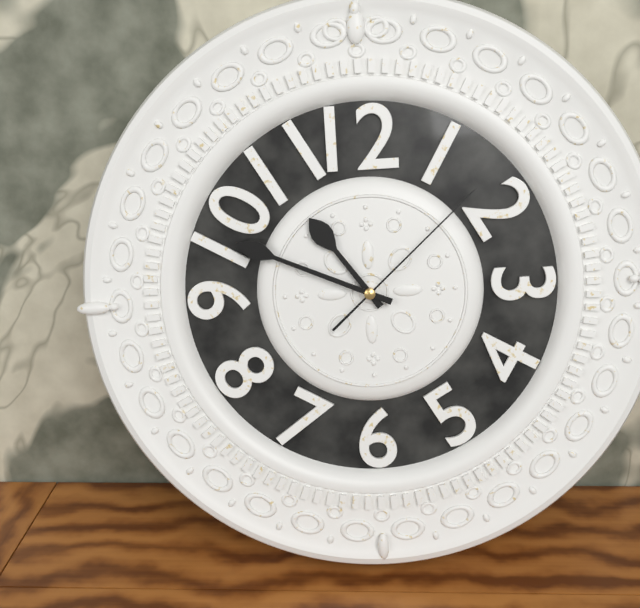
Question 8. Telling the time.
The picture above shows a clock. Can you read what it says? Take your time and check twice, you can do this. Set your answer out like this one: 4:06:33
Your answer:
10:49:08
